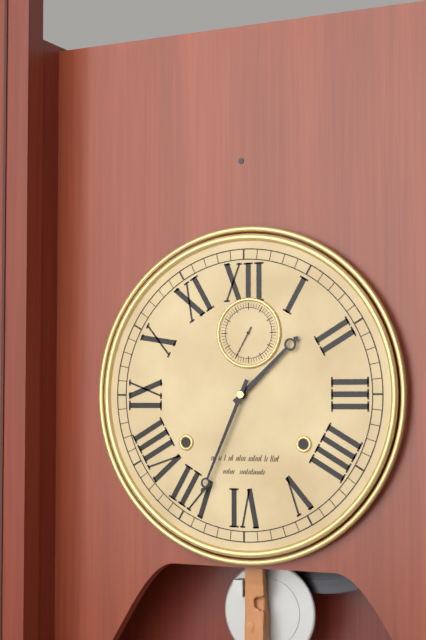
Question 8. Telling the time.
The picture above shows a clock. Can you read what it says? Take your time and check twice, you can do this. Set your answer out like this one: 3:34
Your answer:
1:34
